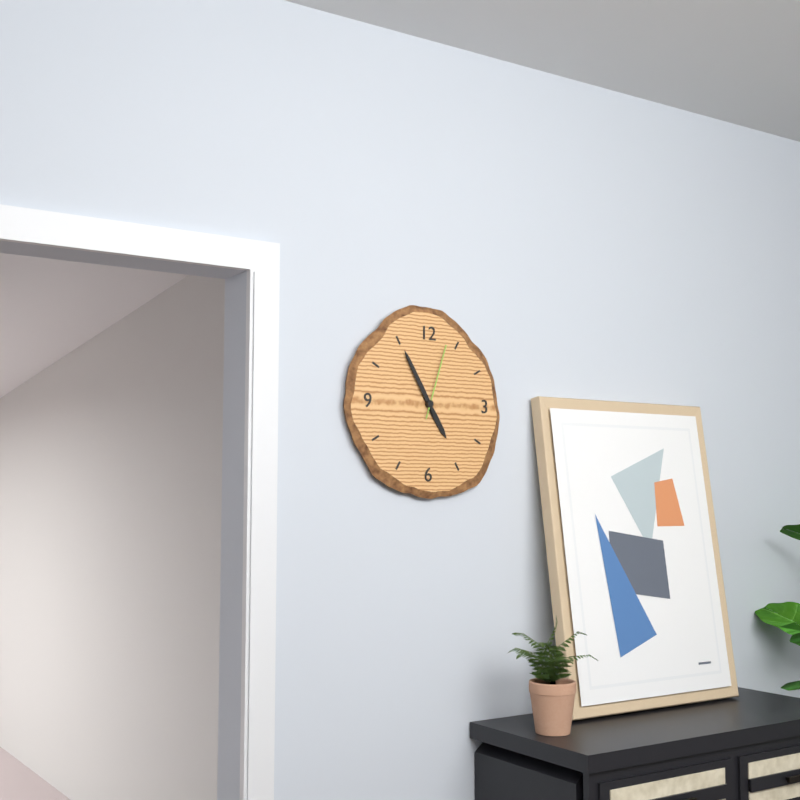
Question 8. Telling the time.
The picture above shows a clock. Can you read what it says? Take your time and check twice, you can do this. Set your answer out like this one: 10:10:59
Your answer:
4:55:03
